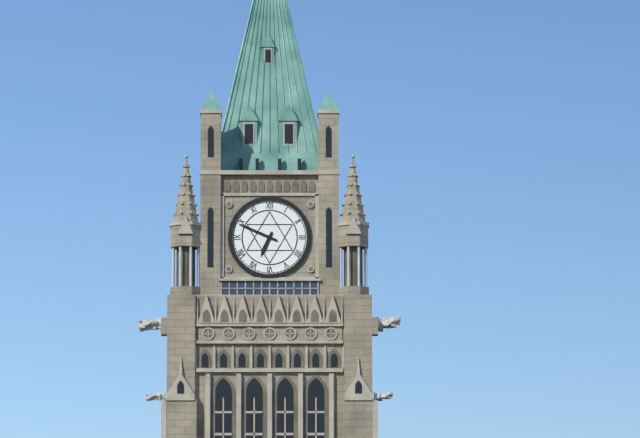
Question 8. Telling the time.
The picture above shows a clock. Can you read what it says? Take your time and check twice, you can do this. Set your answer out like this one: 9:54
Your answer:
6:49
